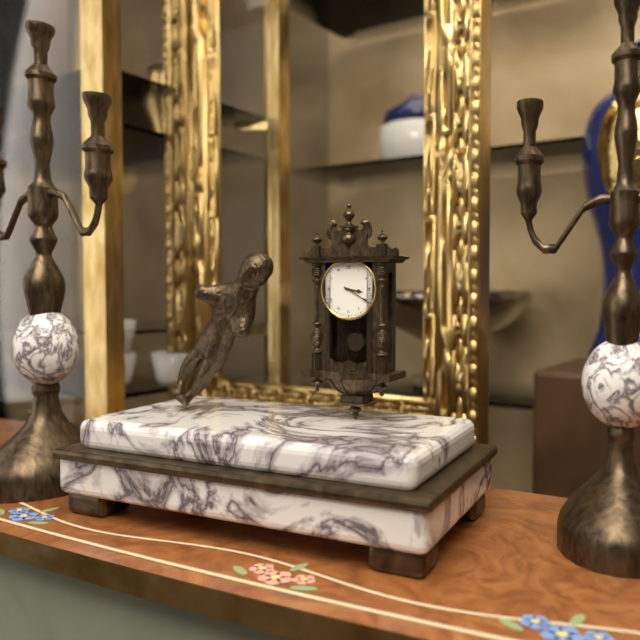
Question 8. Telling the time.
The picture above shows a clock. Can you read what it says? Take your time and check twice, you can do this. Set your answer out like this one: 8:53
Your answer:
3:20
